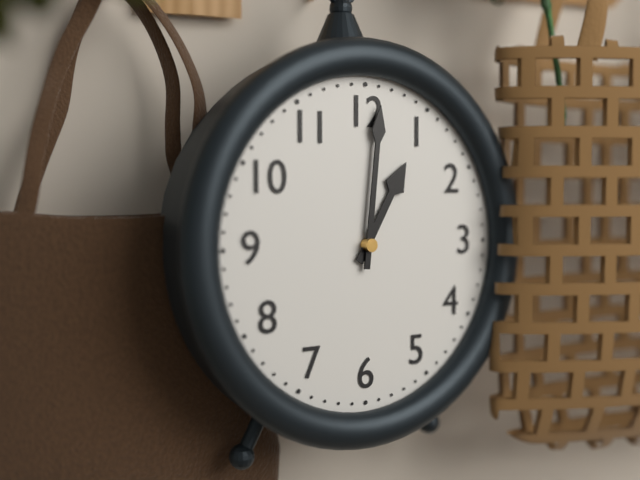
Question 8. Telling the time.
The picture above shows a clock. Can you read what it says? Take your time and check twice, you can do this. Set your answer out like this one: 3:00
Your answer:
1:01
